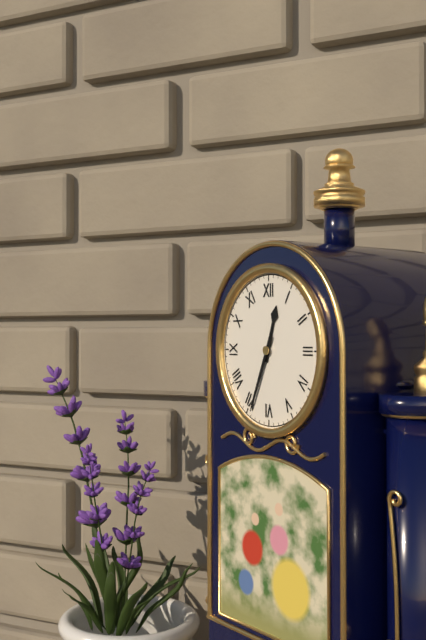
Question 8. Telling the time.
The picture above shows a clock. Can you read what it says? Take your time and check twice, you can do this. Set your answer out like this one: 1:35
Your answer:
12:34
